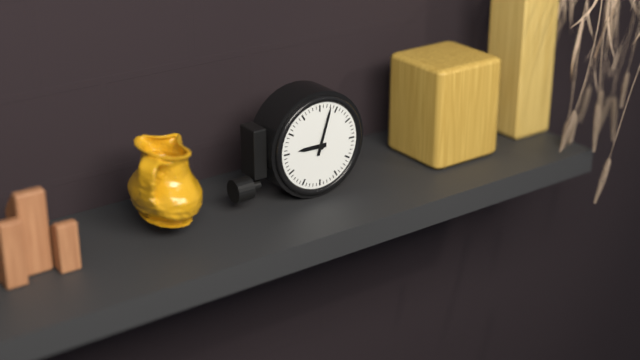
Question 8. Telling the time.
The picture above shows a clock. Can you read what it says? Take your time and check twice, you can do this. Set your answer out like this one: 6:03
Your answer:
9:03
